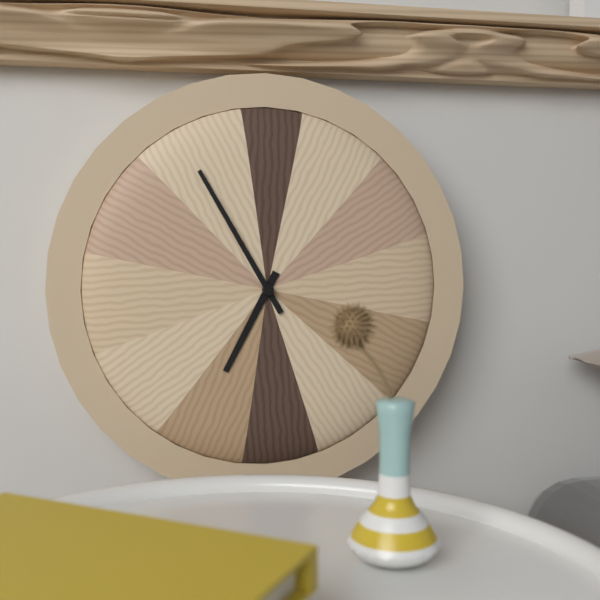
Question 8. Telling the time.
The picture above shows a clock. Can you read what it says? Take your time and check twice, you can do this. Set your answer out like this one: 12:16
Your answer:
6:55
